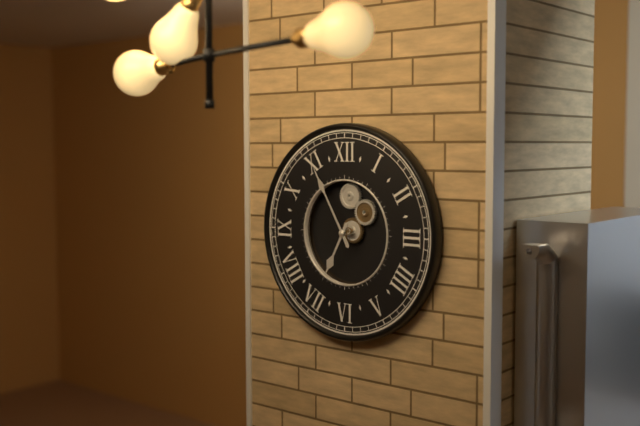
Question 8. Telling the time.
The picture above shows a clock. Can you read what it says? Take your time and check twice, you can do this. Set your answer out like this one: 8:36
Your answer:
6:55
